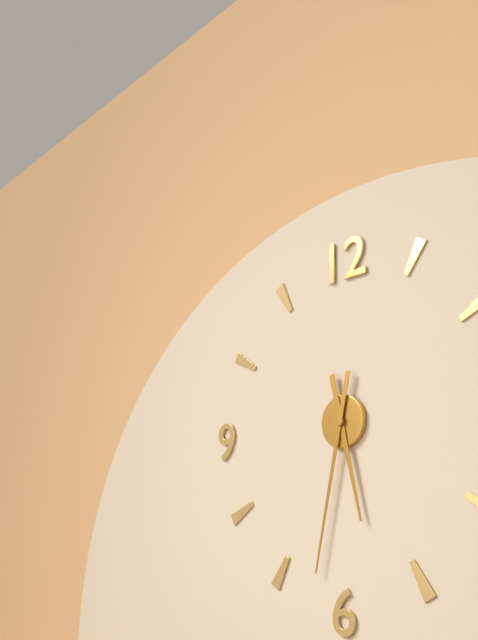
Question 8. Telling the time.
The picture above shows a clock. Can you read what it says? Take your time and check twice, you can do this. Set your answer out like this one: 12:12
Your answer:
5:32
